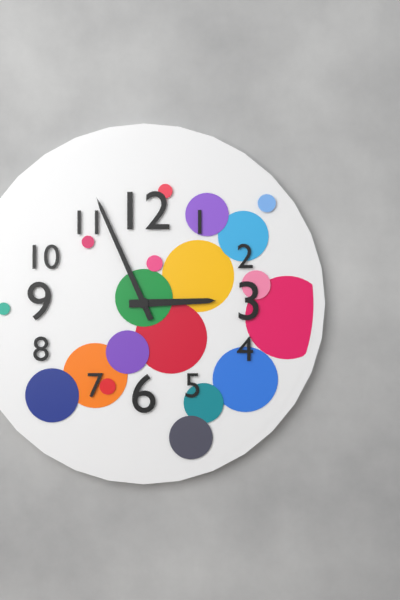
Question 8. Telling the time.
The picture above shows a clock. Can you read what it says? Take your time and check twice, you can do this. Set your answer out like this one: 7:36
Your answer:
2:56
